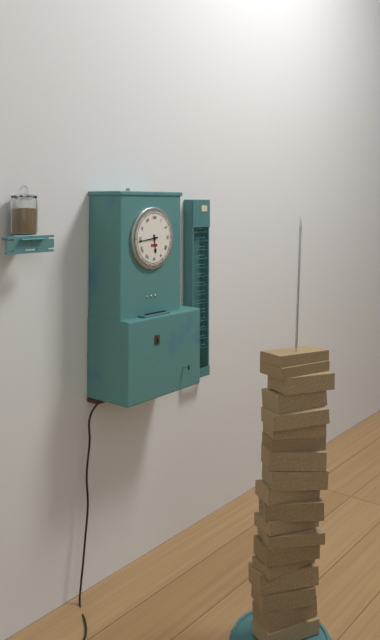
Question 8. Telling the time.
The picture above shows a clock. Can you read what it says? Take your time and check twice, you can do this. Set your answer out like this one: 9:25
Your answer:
5:44
